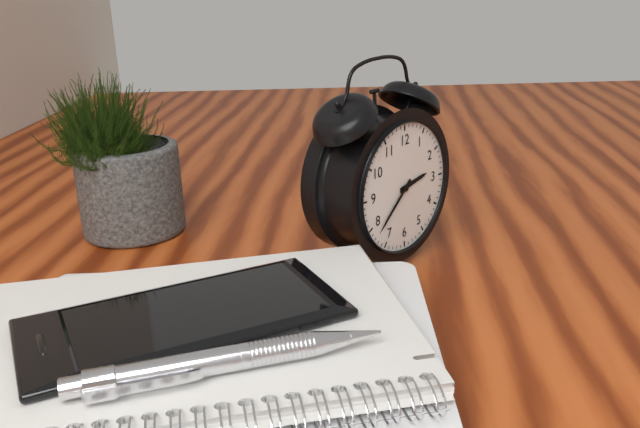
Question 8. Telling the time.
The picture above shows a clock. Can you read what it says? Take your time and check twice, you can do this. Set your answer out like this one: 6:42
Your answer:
2:38
